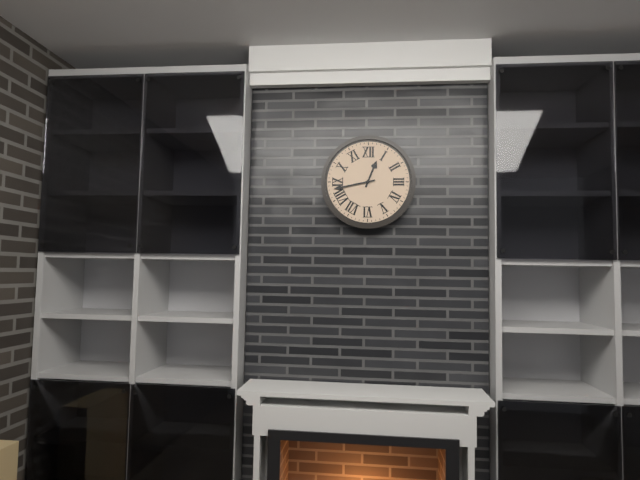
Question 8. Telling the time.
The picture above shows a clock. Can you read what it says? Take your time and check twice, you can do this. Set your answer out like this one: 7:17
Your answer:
12:43
